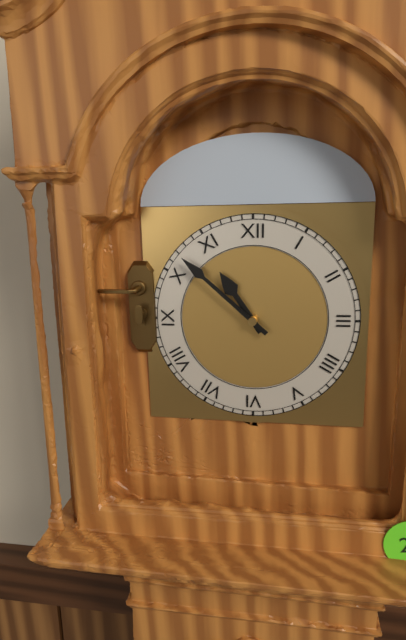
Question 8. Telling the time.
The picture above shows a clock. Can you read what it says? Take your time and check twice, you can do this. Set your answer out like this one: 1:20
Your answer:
10:52
